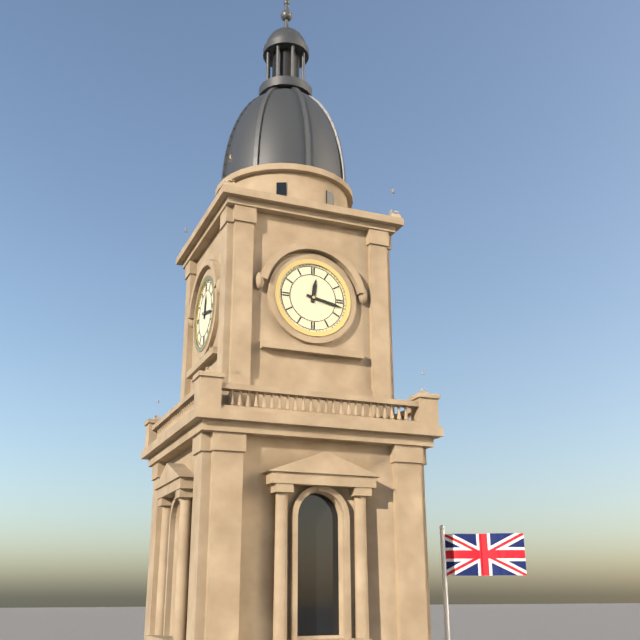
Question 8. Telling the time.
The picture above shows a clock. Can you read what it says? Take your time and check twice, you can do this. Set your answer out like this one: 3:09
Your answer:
12:17
